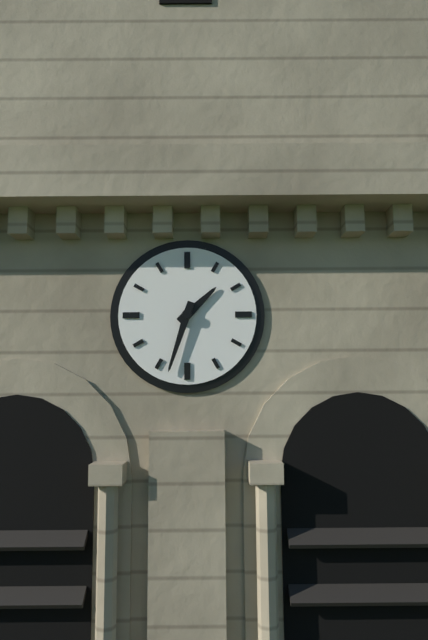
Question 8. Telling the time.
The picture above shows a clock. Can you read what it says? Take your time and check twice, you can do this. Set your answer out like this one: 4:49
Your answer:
1:33
